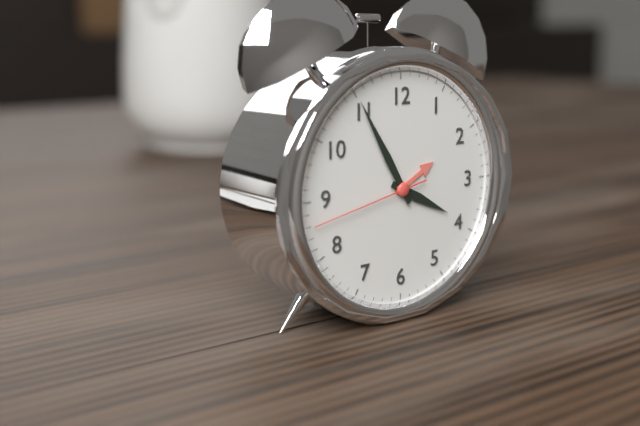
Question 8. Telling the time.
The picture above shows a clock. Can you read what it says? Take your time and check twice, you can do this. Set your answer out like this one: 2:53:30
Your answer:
3:55:43
